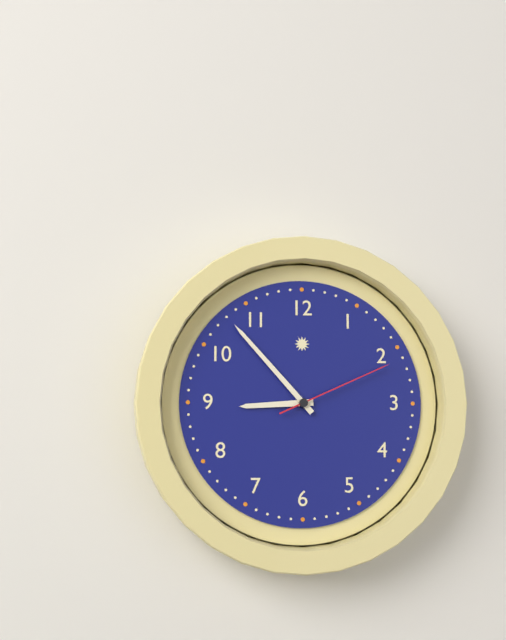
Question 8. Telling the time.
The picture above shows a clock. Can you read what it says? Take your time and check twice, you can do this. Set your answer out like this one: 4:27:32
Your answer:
8:53:11
